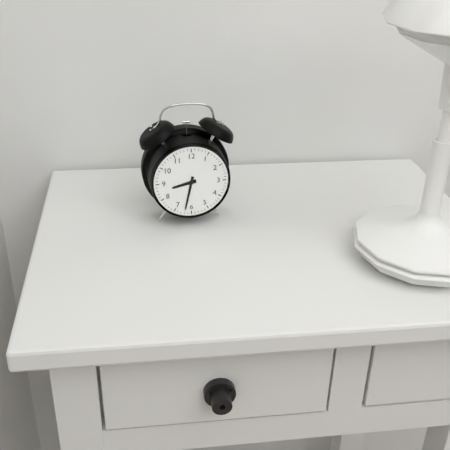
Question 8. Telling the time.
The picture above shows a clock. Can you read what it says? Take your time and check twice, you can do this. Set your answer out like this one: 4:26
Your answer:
8:32
